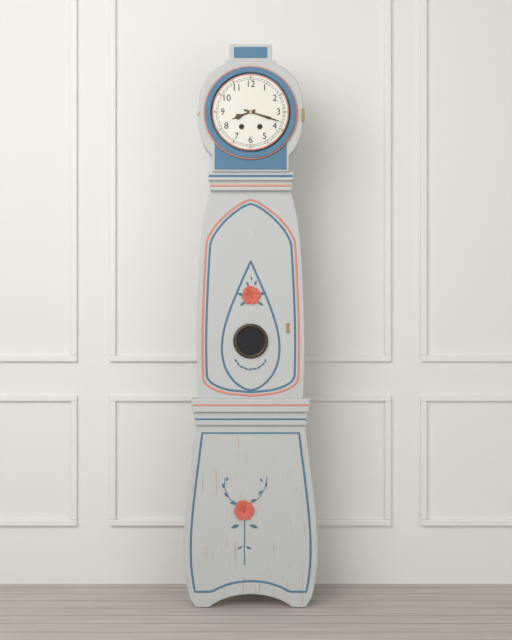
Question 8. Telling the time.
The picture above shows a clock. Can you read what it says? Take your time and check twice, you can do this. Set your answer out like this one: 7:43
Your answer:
8:18
